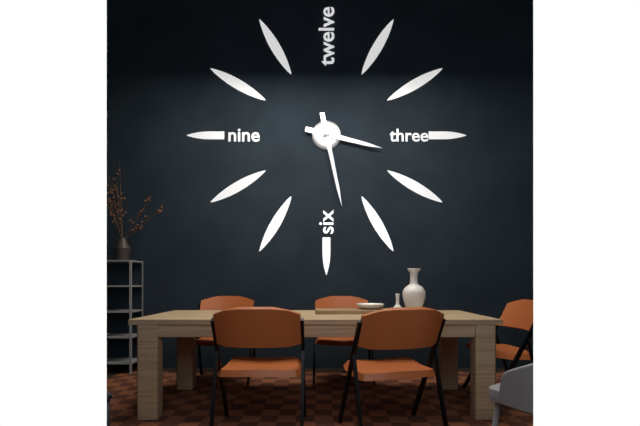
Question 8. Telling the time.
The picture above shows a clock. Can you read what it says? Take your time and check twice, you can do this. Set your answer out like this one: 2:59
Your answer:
3:28
